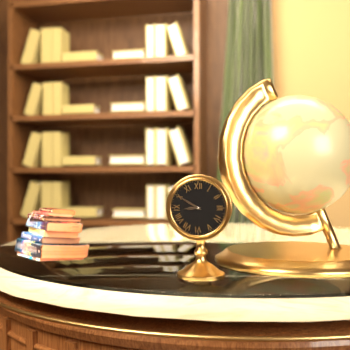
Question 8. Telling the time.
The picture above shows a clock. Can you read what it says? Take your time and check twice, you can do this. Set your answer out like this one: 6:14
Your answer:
8:50
